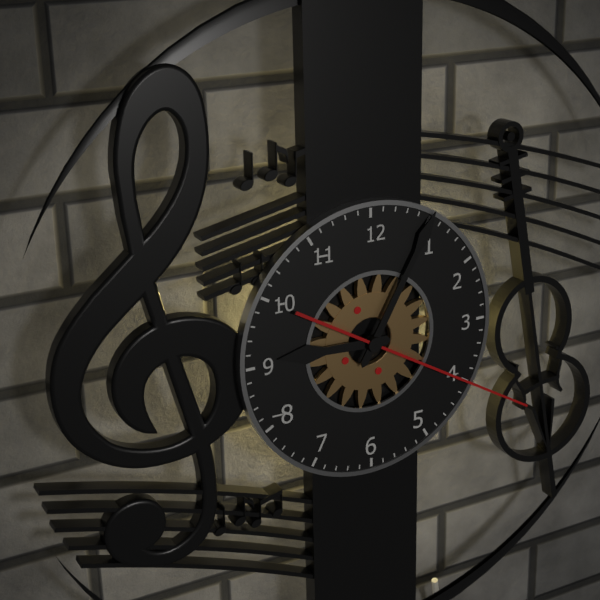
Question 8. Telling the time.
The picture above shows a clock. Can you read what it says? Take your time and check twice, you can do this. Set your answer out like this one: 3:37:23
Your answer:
9:05:20
